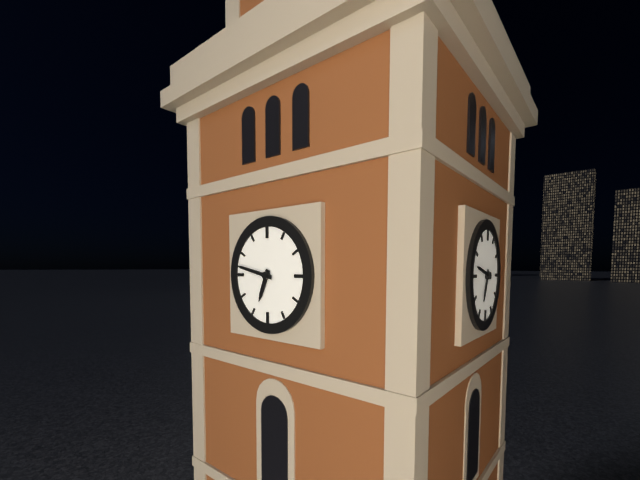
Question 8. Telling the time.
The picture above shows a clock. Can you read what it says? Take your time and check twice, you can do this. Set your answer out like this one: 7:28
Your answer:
6:47
